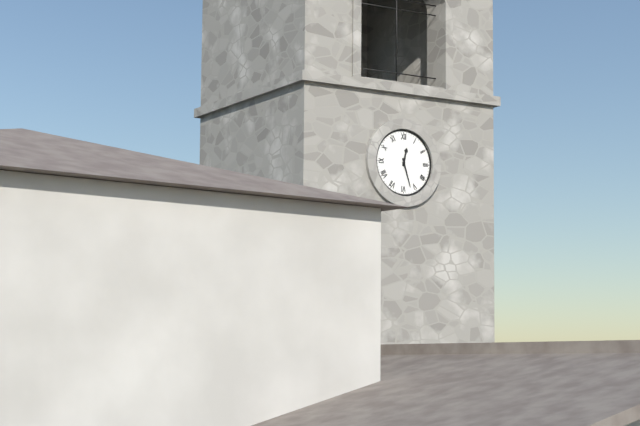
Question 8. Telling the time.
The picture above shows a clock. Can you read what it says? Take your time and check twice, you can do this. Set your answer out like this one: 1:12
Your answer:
12:27
